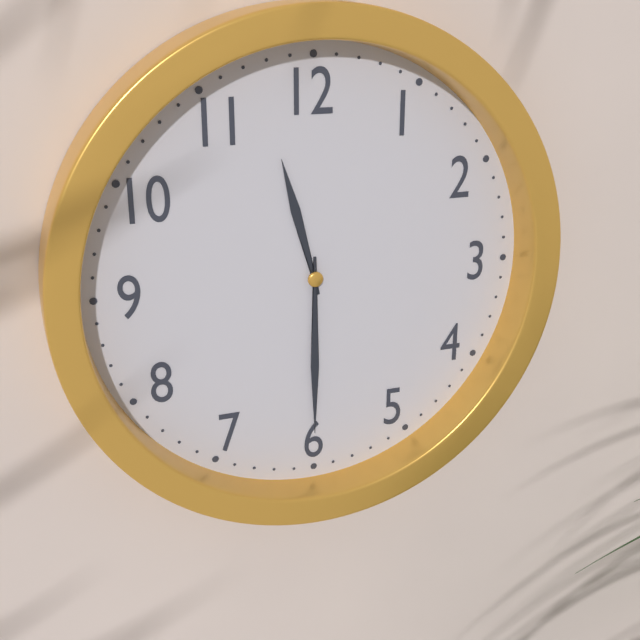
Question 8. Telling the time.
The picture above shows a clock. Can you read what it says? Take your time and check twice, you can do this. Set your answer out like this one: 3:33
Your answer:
11:30
